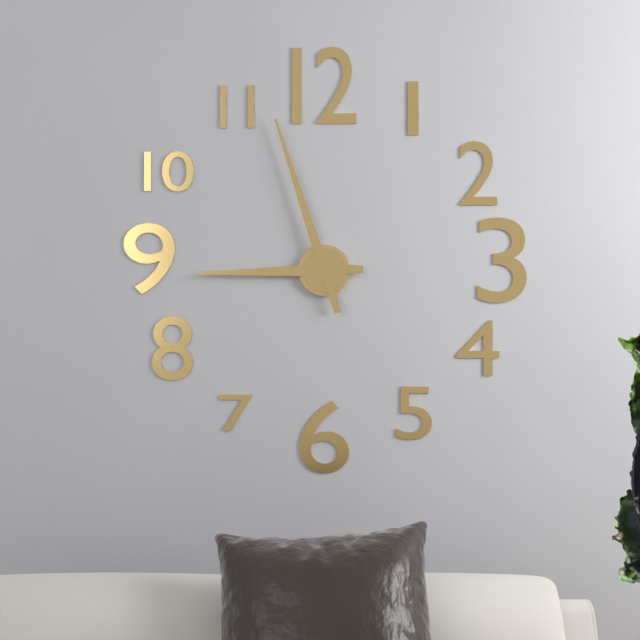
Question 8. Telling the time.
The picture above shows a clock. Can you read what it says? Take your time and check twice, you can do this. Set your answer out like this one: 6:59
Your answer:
8:57
